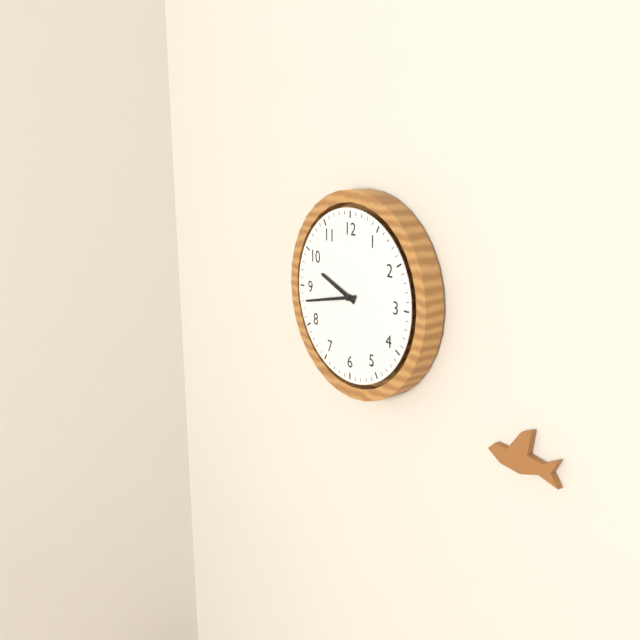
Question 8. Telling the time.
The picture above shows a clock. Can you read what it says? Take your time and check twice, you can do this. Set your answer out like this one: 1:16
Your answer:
9:43
